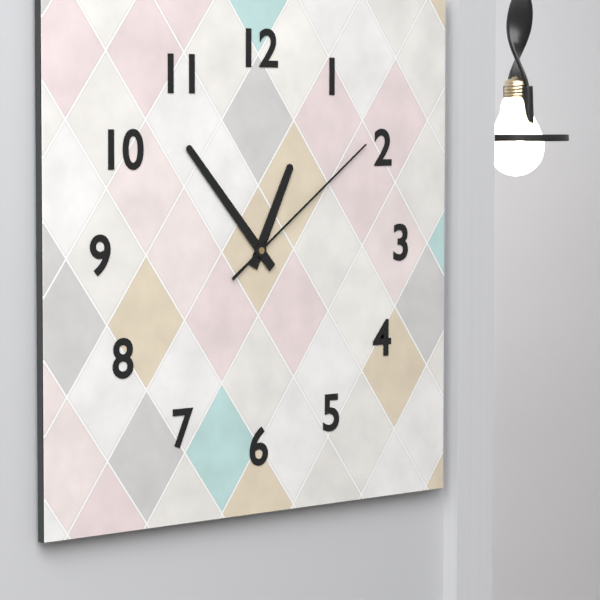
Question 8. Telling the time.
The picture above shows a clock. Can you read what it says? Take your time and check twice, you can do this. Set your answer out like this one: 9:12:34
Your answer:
12:53:09
